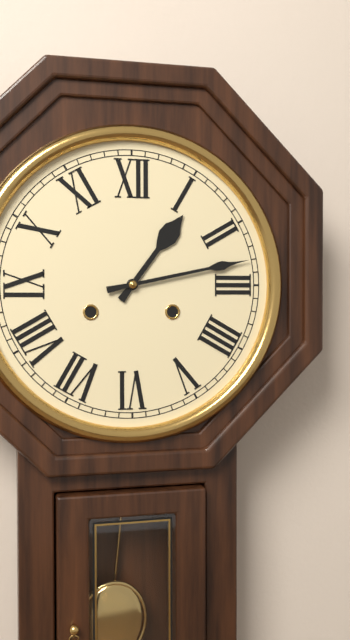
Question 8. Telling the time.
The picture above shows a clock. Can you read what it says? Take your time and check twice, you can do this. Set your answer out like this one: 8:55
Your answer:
1:13
